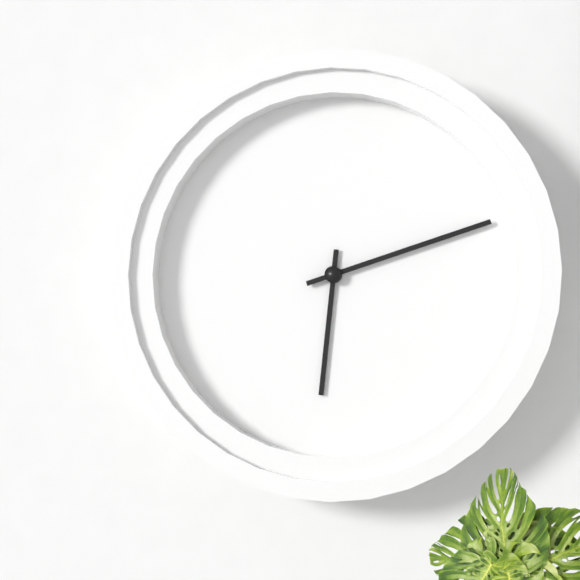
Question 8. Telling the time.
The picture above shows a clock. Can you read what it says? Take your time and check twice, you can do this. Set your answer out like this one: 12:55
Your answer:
6:12
